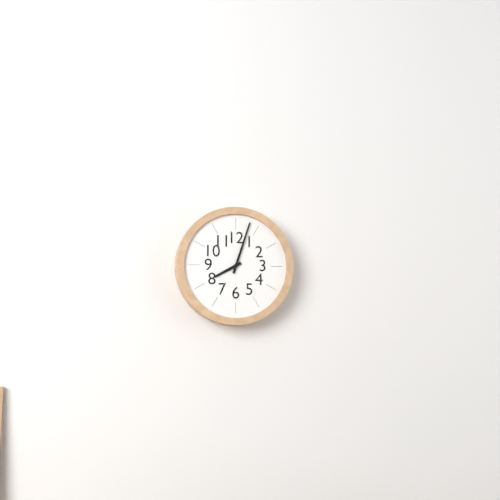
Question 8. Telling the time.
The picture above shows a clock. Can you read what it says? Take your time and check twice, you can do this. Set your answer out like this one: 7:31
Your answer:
8:03
